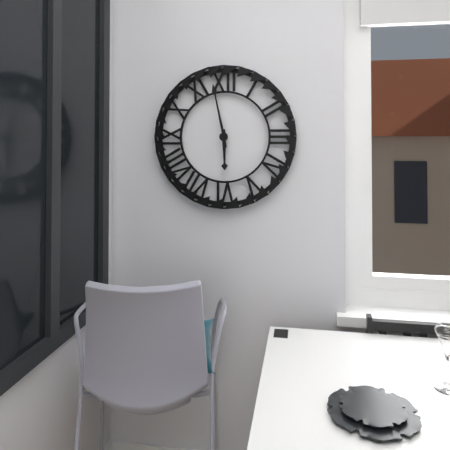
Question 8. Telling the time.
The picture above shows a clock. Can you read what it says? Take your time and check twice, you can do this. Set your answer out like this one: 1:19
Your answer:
5:58
